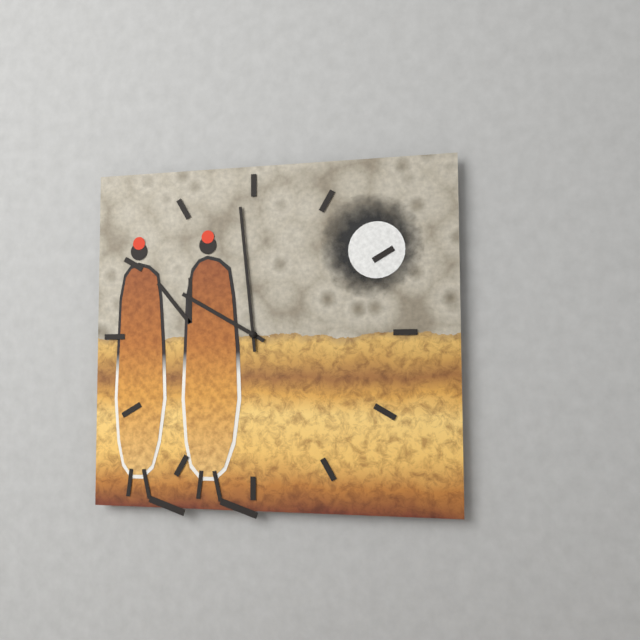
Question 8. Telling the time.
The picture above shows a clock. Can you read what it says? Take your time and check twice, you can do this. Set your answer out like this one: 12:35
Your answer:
9:59
